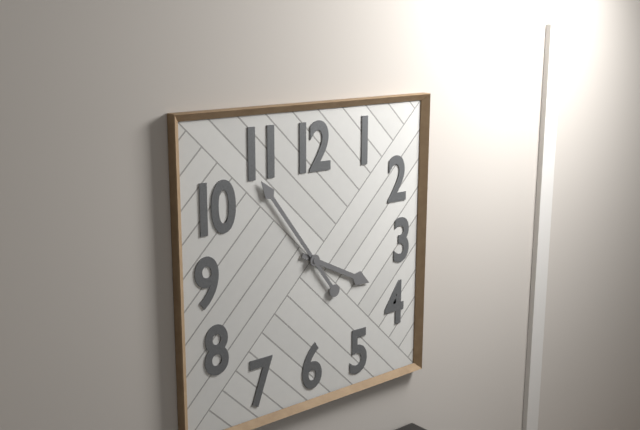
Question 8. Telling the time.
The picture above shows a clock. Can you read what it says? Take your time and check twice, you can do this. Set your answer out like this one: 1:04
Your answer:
3:54
